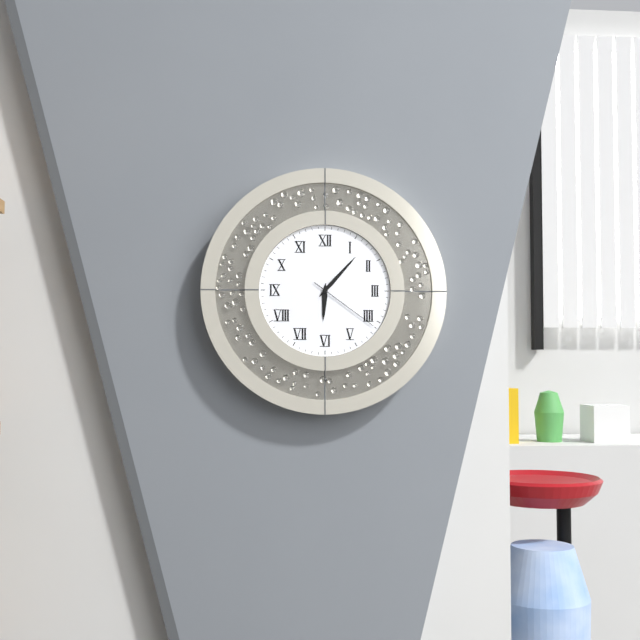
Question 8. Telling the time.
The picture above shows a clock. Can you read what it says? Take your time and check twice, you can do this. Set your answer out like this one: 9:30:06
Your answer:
6:07:21
